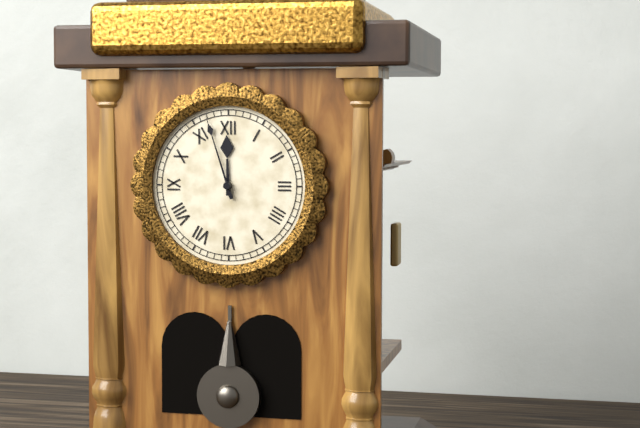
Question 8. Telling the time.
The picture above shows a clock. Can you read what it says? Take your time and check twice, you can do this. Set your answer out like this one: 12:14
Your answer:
11:57
